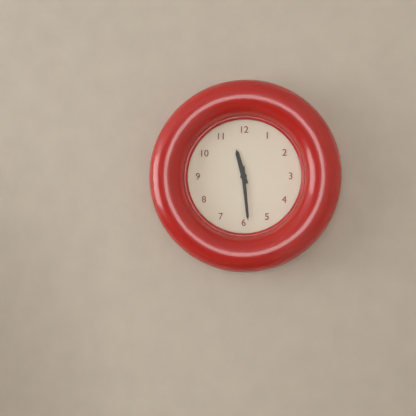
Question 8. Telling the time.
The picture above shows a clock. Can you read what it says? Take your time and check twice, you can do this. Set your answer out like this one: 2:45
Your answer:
11:29
